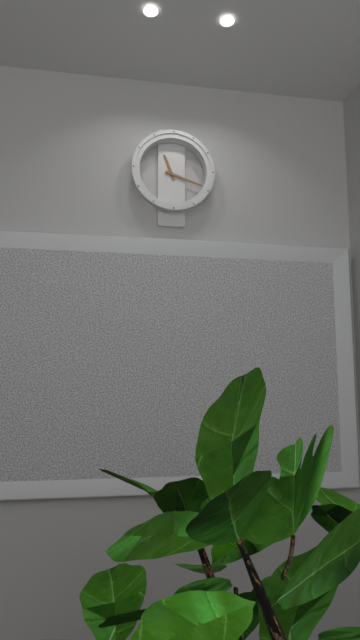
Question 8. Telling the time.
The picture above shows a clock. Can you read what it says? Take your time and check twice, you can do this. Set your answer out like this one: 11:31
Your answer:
11:18
